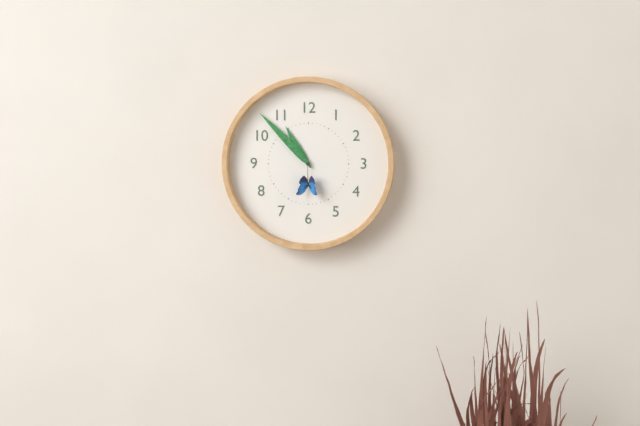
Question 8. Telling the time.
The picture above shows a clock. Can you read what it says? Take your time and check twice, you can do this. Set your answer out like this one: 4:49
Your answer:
10:53
